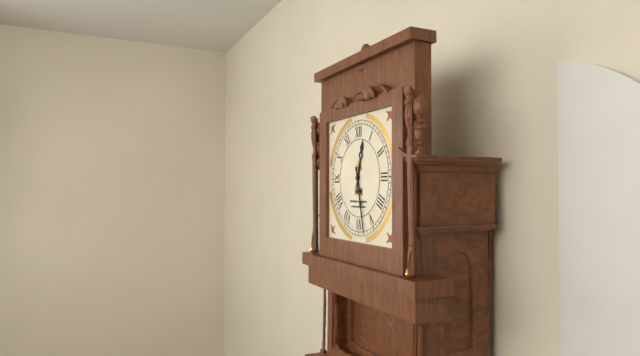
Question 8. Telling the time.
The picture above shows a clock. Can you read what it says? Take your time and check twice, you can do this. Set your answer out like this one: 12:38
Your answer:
12:28
